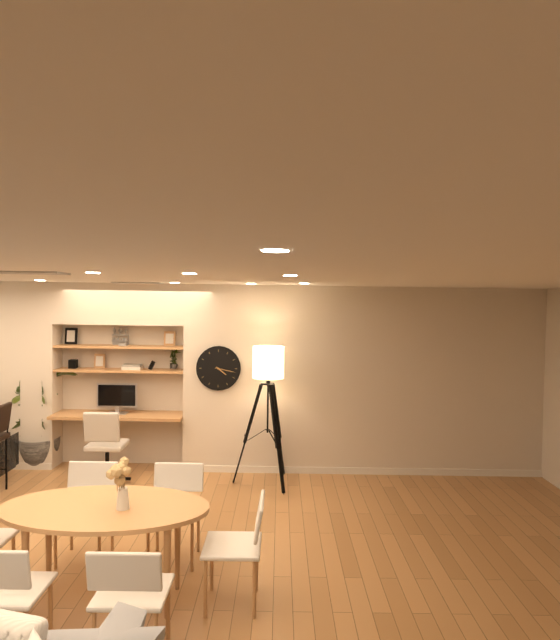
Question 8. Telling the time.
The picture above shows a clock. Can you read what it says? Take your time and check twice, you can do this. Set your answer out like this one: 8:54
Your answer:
4:17
